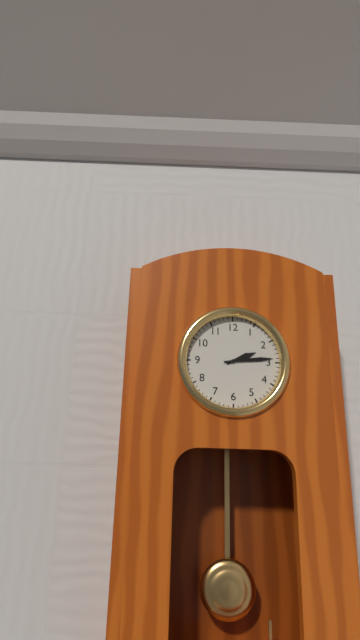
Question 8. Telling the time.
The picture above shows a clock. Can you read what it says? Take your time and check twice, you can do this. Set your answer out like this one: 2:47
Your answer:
2:14
